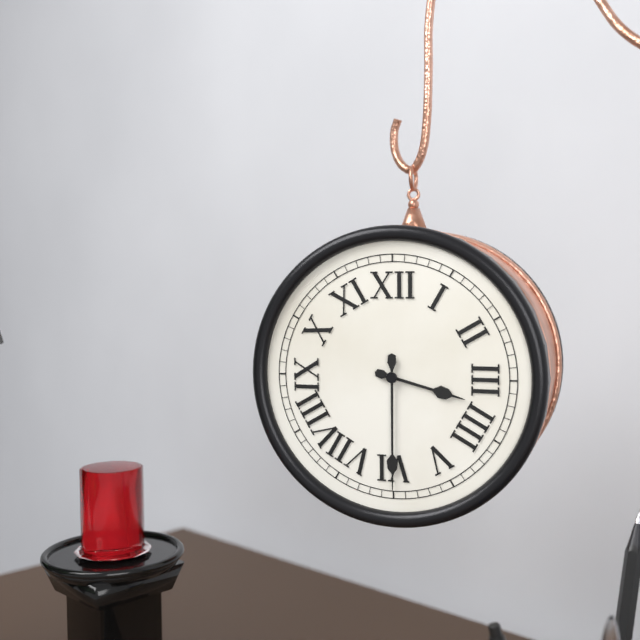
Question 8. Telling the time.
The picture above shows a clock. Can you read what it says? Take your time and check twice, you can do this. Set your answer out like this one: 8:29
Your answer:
3:30
